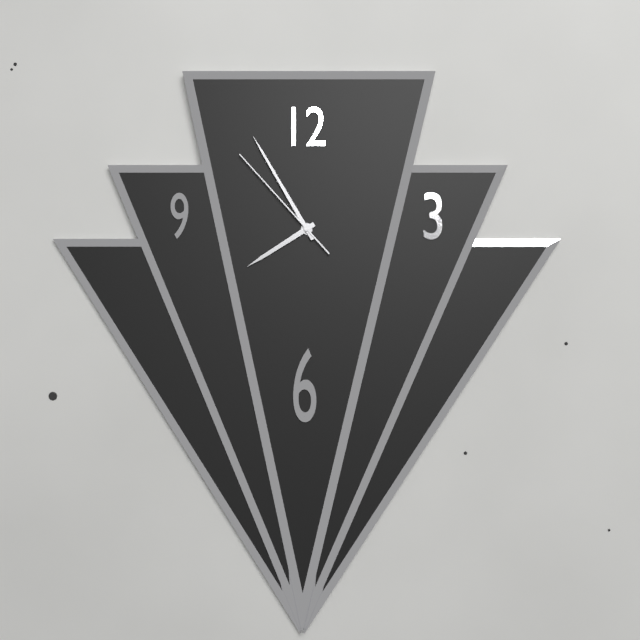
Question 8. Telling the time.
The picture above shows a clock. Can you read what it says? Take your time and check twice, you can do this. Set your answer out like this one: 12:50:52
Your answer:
7:55:53
